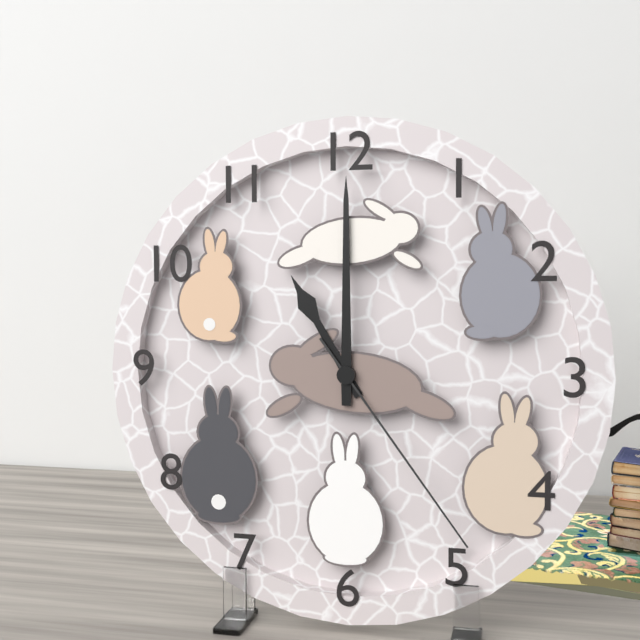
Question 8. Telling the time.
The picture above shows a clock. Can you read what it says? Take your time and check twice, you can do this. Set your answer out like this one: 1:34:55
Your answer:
11:00:24
